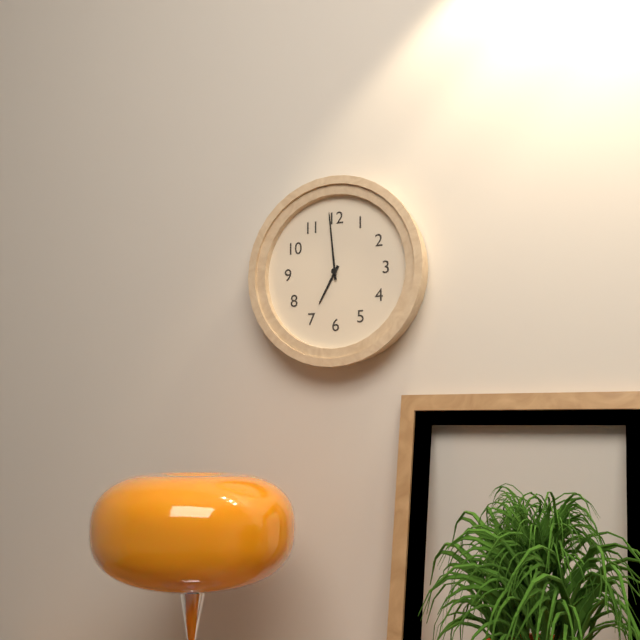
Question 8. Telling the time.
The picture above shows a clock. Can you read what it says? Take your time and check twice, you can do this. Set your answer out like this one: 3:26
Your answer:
6:59
